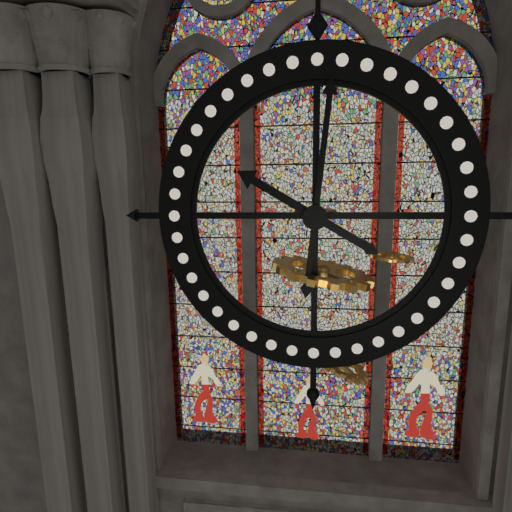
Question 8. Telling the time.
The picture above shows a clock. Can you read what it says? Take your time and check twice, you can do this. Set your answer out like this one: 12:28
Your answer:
10:01
